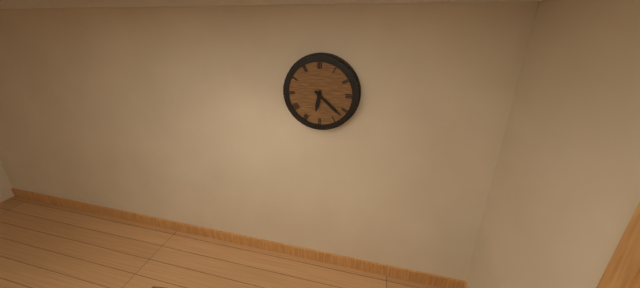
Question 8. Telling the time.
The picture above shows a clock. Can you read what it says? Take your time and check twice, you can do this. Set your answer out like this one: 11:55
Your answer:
6:22
